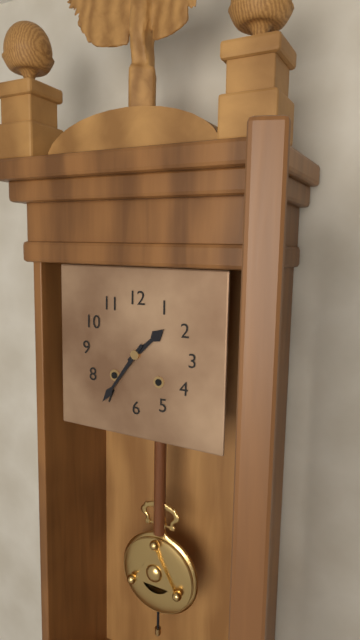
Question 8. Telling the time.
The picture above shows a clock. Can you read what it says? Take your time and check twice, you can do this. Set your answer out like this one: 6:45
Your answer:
1:36
